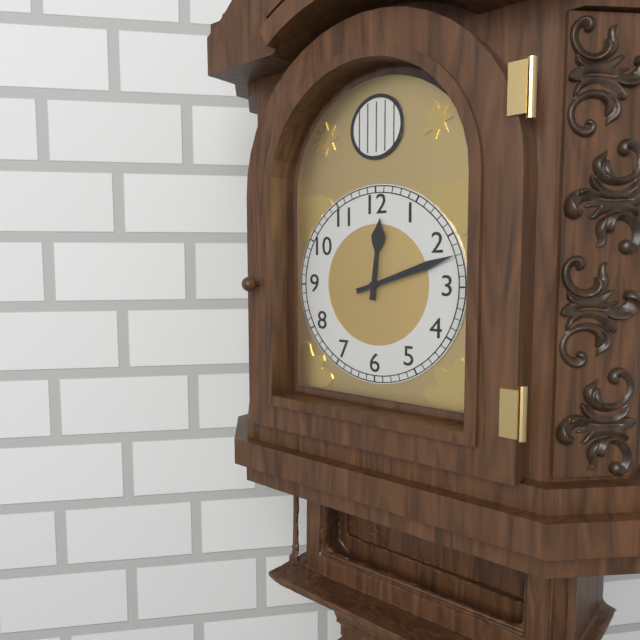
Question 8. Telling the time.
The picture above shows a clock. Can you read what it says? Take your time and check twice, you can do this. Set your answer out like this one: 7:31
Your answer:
12:12
